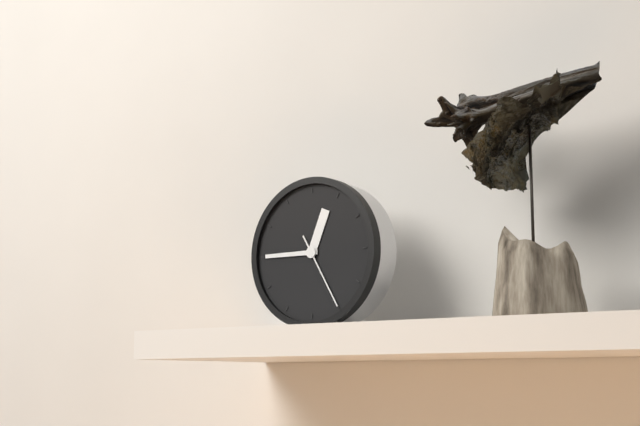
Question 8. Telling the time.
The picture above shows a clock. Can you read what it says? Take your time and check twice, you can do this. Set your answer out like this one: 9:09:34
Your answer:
12:45:25
